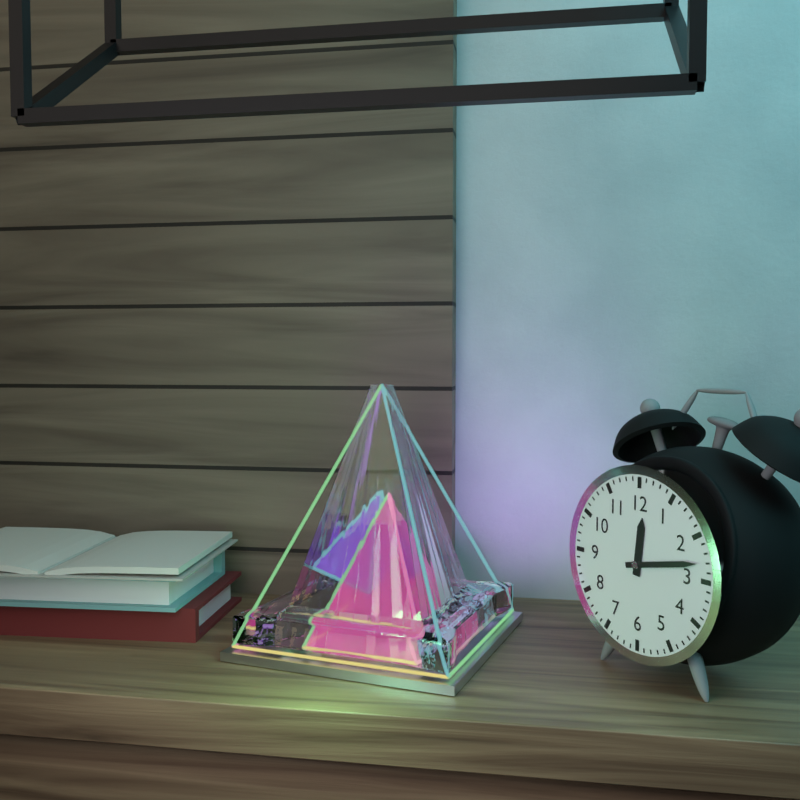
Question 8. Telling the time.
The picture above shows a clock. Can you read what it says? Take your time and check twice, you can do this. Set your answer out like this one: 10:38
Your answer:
12:13
